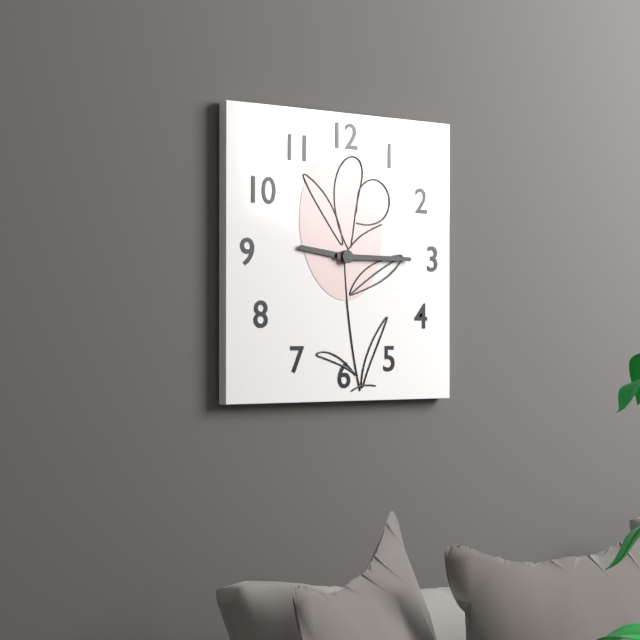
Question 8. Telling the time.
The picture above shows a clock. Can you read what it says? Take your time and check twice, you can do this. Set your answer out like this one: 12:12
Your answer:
9:15
